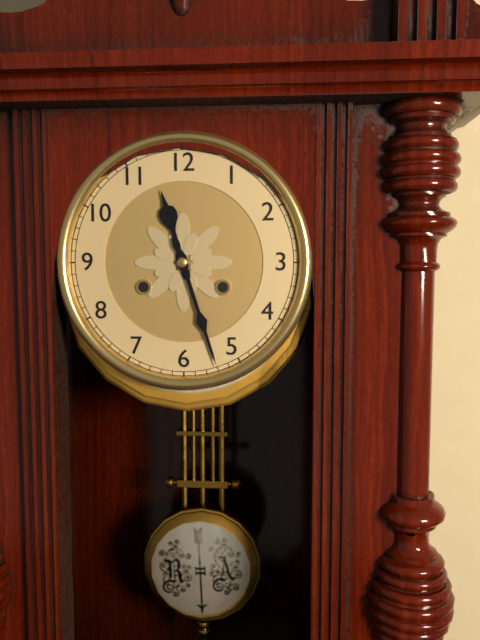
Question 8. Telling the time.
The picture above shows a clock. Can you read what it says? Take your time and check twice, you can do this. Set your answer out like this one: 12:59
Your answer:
11:27
